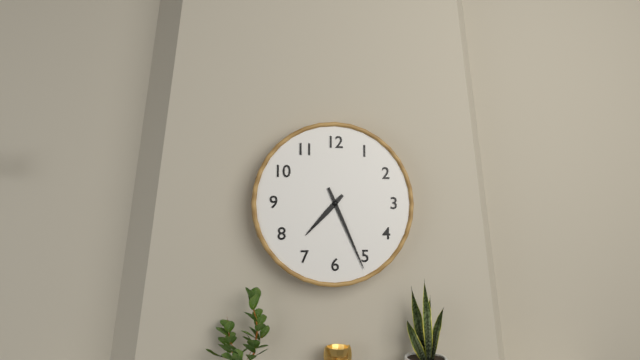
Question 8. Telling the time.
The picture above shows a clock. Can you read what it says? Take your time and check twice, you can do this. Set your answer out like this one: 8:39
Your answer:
7:26
